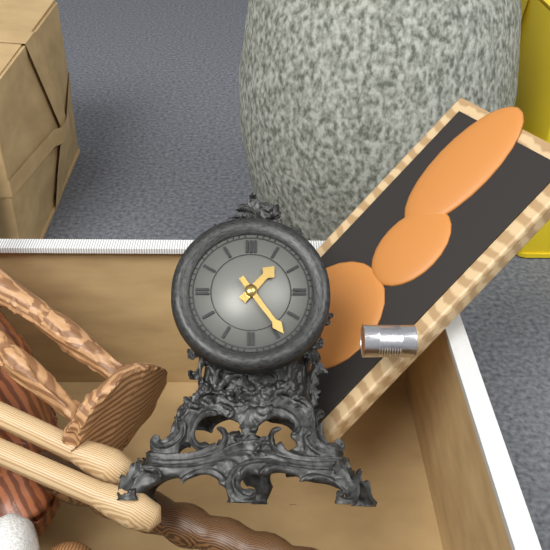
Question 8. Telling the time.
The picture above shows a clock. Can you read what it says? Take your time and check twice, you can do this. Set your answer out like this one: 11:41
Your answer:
1:24
